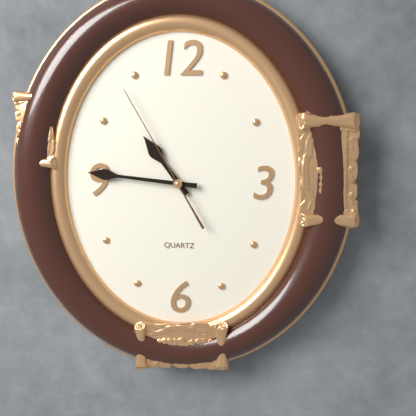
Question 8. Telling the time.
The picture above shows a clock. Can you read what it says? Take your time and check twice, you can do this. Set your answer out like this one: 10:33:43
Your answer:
10:46:55
